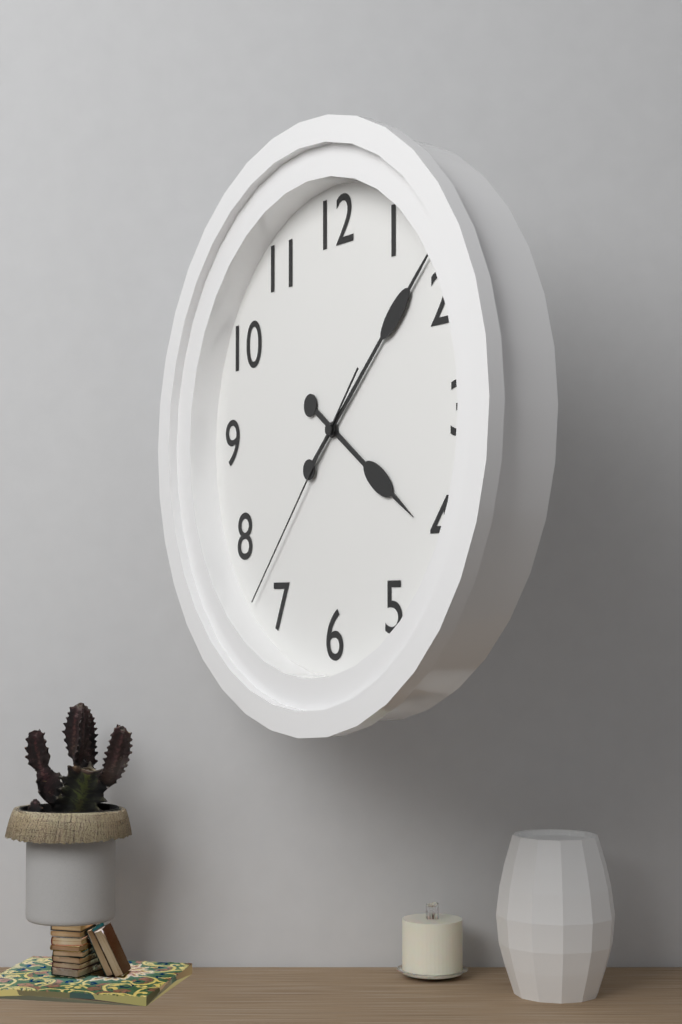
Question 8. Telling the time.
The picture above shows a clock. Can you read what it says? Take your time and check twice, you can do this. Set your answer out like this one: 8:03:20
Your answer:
4:08:37
